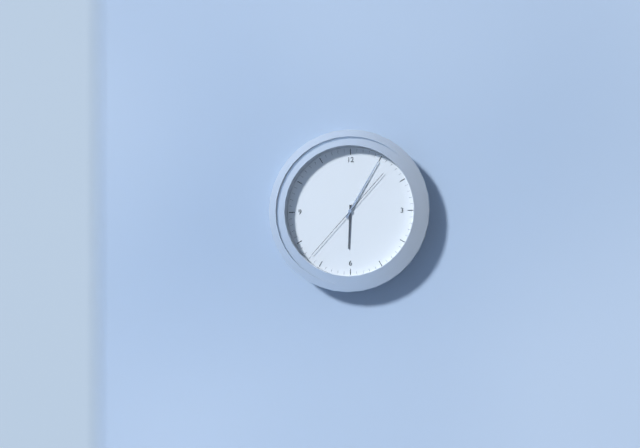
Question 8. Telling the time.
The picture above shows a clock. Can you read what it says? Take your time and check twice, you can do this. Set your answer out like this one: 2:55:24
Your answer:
6:05:37
